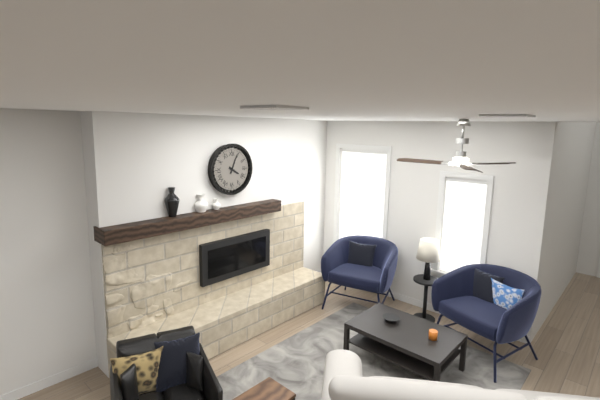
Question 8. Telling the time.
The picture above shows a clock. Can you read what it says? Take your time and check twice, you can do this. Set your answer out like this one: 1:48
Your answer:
4:04
